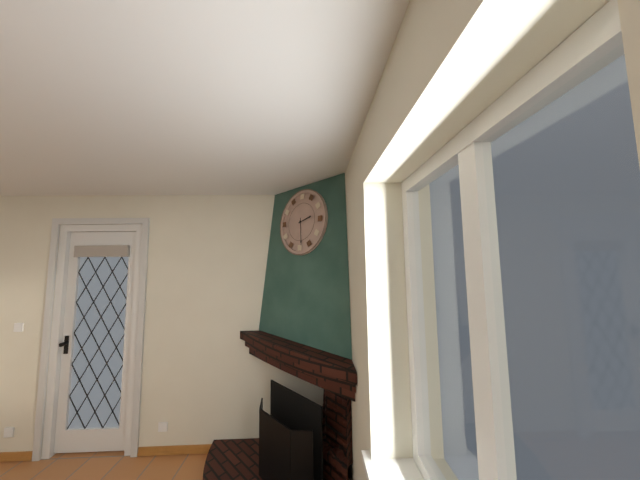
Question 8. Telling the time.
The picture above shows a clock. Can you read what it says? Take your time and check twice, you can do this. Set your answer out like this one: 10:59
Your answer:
2:29
